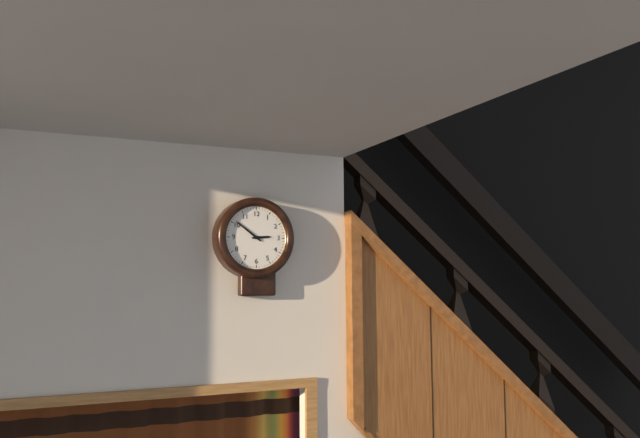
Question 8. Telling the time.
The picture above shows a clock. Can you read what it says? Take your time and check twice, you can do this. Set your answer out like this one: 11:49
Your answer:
2:51
